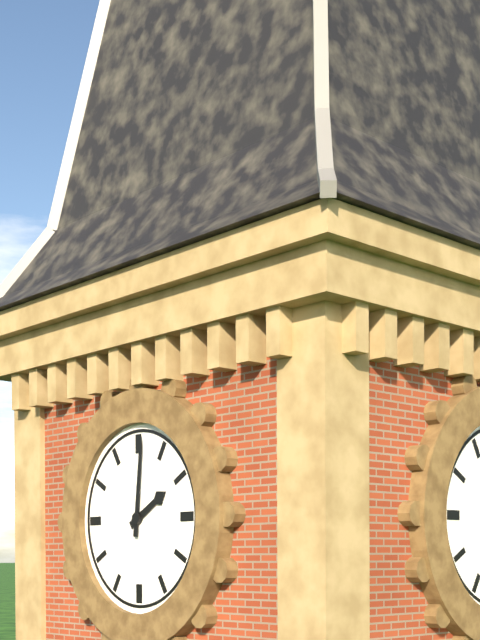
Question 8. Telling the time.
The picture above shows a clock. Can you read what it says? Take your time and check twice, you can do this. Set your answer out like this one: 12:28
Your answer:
2:01
